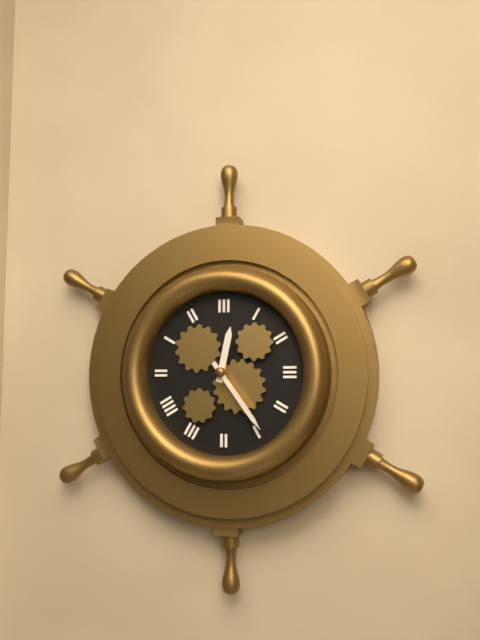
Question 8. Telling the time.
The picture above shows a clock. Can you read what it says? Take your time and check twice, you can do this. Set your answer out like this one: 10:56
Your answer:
12:24
